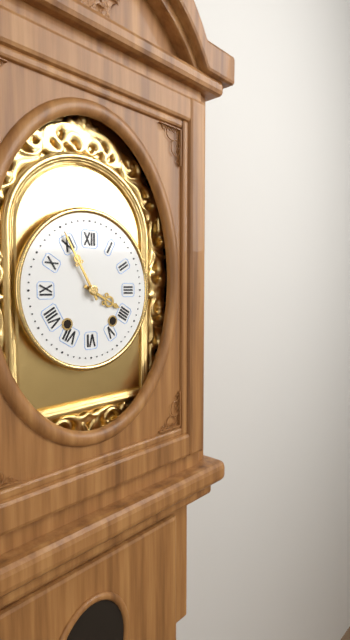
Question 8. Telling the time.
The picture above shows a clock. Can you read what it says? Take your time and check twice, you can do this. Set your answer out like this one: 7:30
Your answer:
3:55
